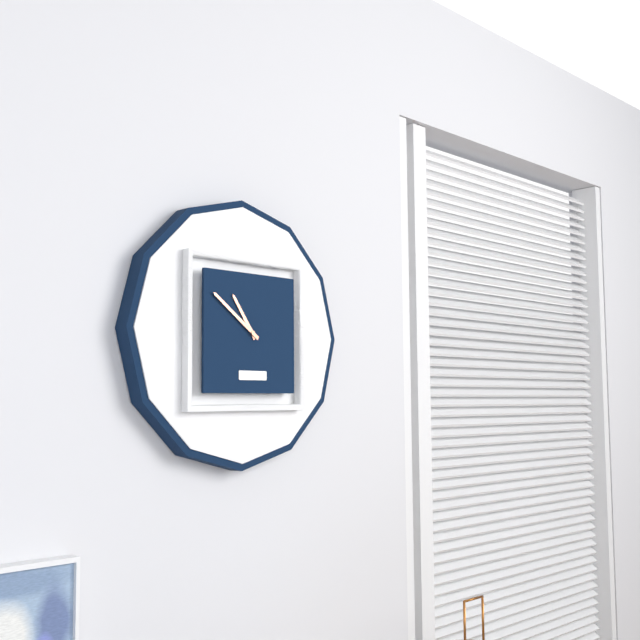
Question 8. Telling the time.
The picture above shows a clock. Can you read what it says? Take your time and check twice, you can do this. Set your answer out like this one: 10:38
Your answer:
10:51
